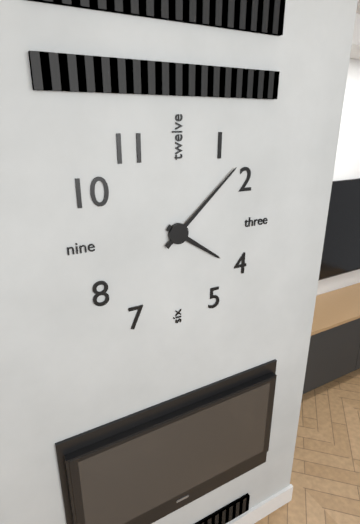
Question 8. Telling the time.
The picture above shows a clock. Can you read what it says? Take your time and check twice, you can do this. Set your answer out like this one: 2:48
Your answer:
4:08
